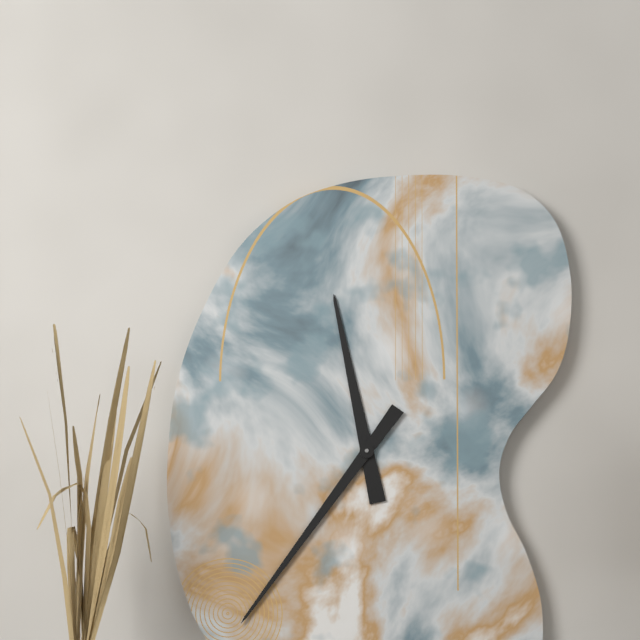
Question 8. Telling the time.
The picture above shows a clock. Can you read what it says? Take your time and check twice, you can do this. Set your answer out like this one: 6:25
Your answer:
11:36
